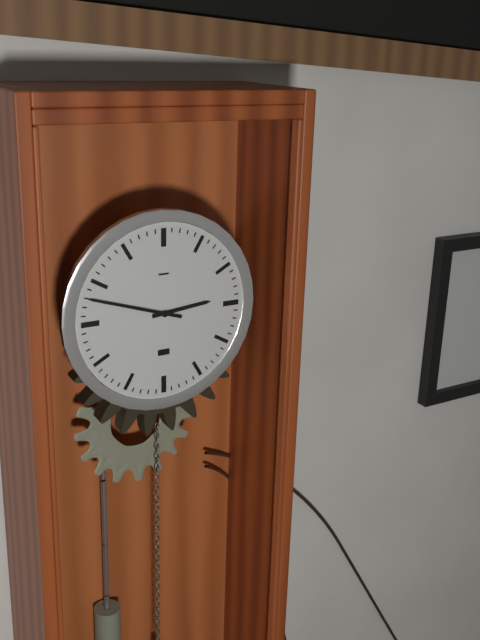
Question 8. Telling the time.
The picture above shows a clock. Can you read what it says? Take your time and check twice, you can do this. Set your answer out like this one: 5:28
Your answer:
2:48
